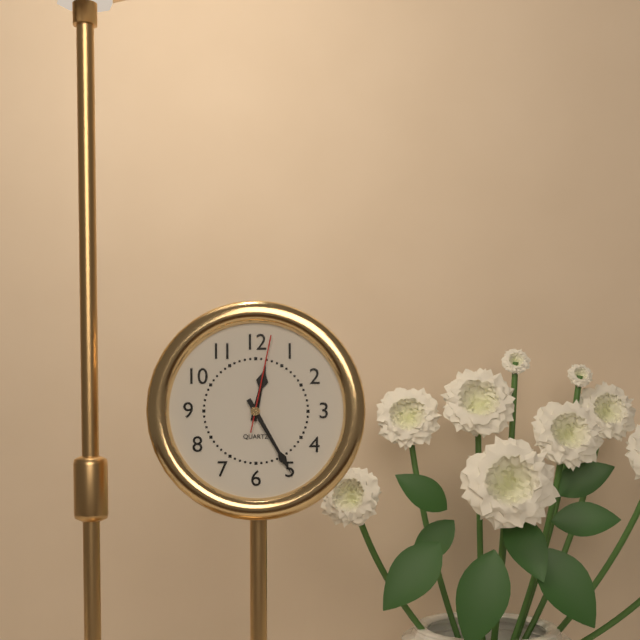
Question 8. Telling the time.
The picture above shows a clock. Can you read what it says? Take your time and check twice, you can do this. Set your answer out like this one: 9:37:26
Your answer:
12:25:02
